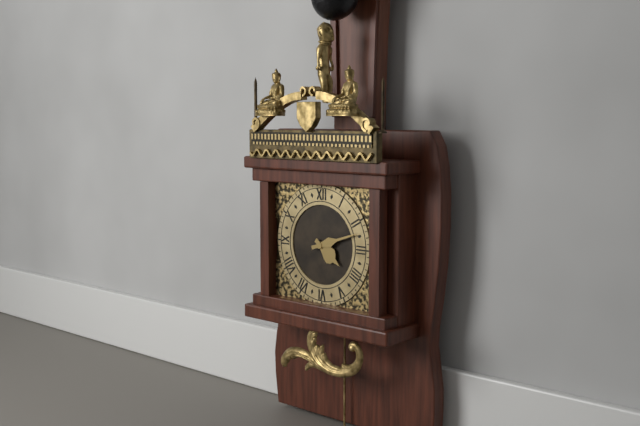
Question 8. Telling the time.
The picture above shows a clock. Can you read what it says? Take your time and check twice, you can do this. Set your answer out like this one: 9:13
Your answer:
4:12
